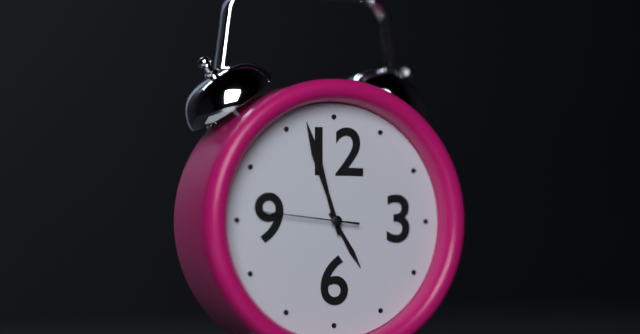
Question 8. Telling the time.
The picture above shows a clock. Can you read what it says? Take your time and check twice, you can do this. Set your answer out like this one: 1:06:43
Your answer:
4:57:46
